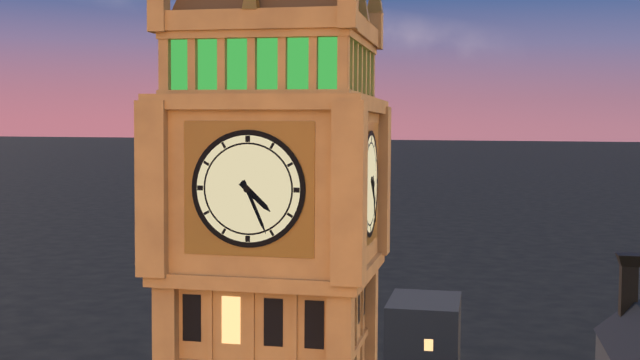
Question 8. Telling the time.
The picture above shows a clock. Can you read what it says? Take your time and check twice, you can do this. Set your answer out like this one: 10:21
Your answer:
4:26
